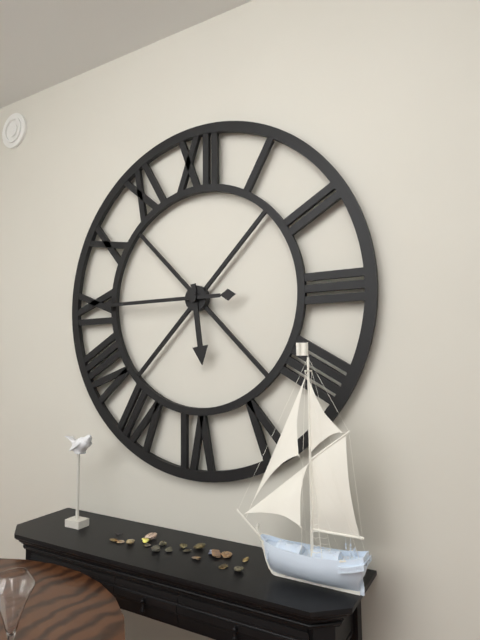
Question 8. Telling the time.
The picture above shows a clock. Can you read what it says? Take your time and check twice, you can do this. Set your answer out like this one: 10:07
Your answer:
5:45
